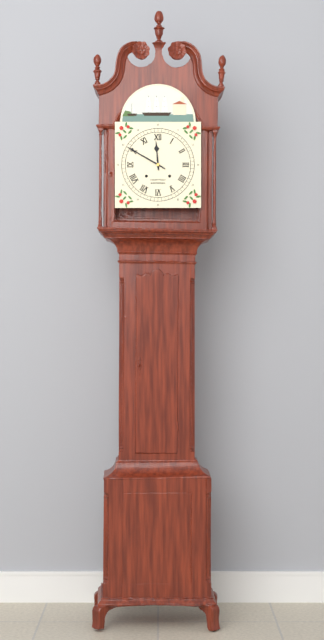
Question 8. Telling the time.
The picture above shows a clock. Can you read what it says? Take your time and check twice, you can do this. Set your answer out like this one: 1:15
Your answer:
11:50
